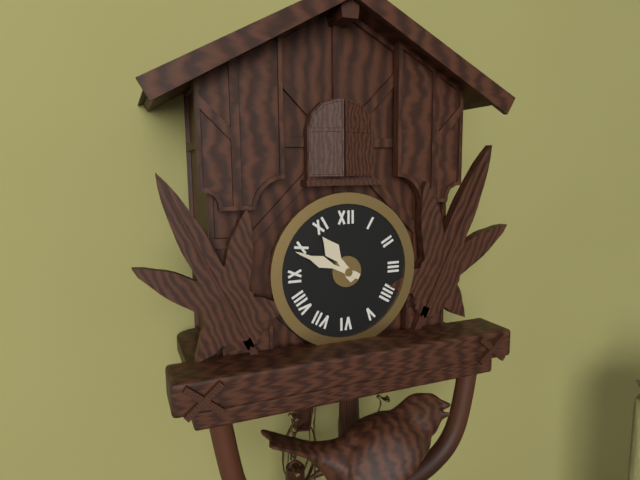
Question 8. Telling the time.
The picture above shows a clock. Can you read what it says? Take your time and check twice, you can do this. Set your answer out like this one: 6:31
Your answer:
10:49
